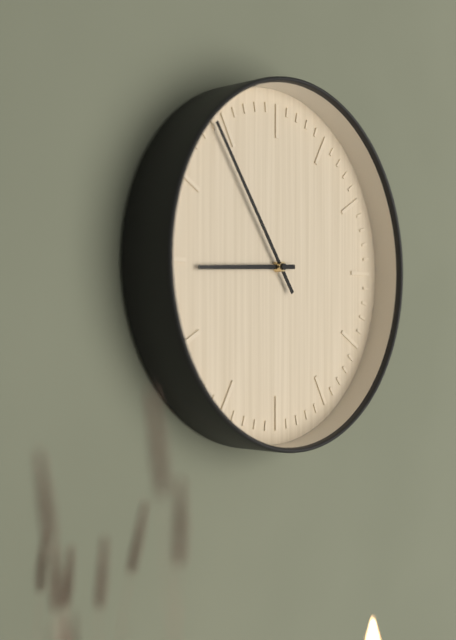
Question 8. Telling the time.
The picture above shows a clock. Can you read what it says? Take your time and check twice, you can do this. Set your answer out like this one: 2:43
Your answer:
8:54
